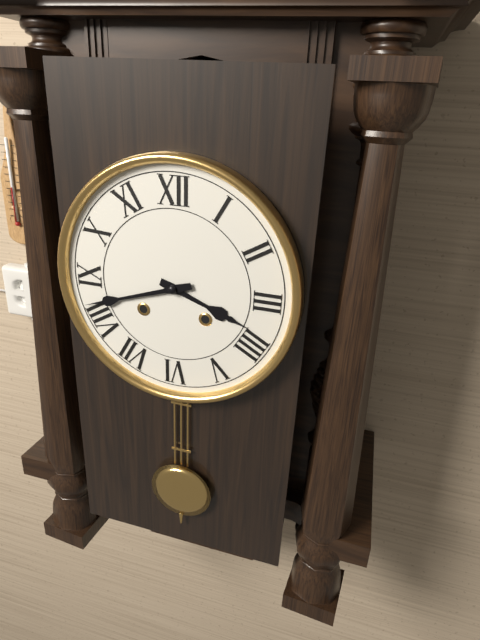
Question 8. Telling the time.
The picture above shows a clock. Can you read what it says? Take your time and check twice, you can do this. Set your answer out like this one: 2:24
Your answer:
3:42
